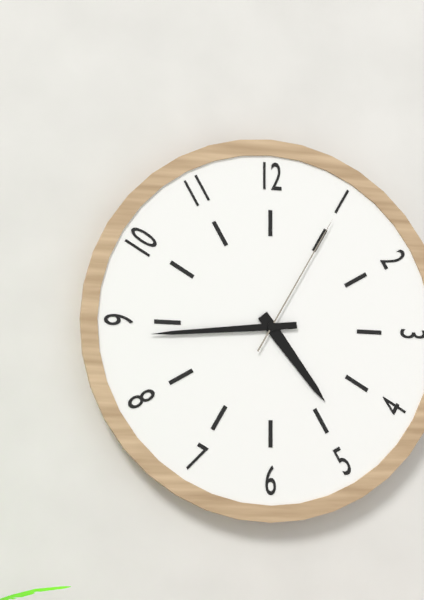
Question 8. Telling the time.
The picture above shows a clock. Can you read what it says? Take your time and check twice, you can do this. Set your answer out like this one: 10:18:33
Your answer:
4:44:05
